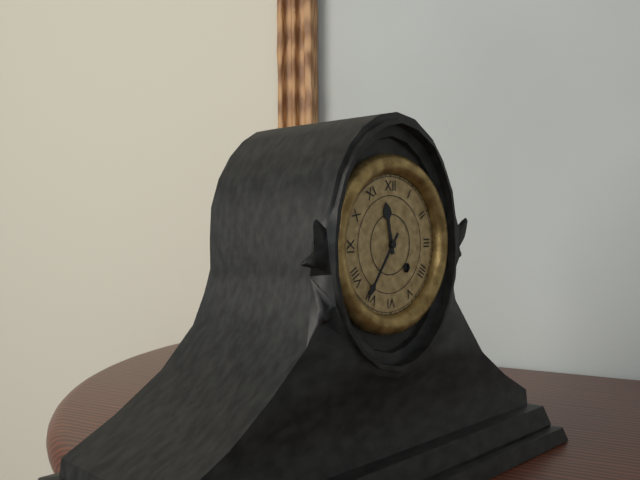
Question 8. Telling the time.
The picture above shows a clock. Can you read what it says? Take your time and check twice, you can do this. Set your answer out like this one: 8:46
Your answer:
11:36
